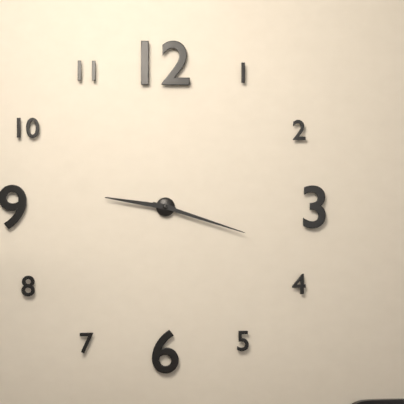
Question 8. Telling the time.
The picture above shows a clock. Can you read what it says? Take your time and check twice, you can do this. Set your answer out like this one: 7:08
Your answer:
9:18
